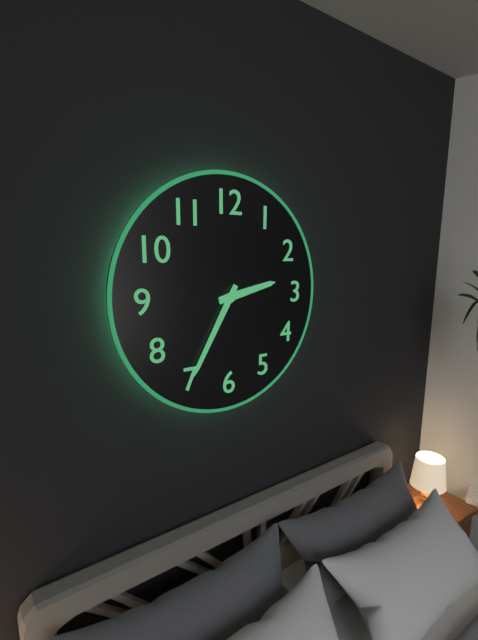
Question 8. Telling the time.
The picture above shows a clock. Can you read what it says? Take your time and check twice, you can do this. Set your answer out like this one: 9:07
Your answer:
2:35
